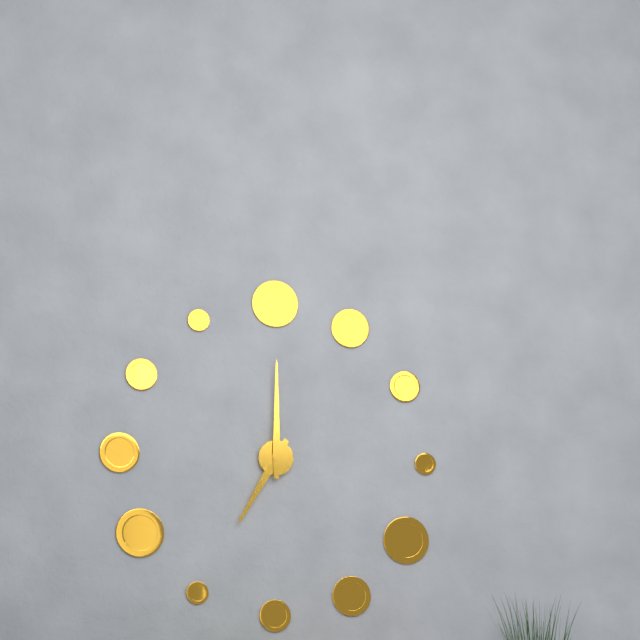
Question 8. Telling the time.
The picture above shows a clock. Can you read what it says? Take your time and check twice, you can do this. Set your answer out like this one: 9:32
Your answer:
7:00
